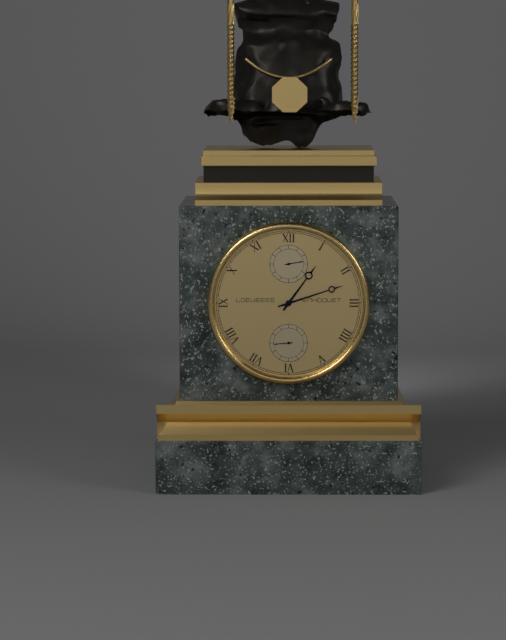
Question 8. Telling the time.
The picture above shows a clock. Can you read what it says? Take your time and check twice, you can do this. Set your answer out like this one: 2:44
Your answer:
1:12
